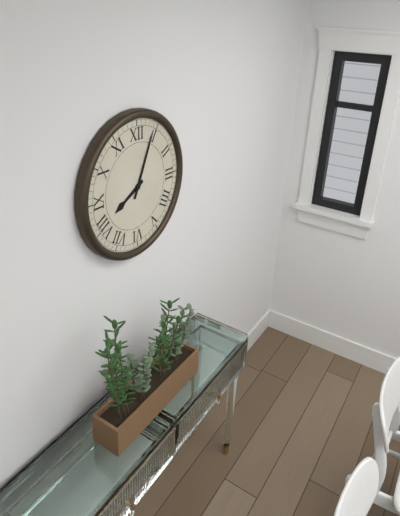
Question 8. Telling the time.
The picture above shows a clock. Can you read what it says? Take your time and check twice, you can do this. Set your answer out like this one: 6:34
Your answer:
8:04
